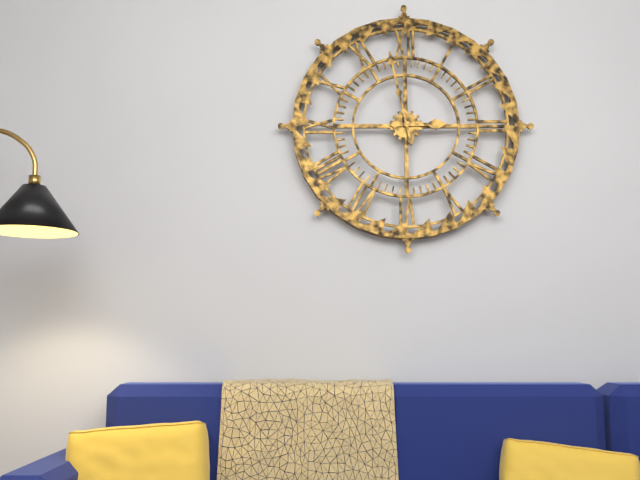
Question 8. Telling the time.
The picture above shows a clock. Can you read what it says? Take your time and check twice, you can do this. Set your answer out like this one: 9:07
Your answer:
2:58
